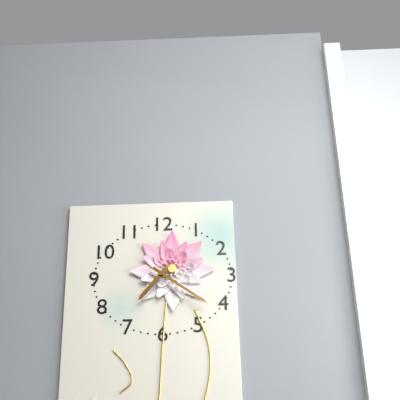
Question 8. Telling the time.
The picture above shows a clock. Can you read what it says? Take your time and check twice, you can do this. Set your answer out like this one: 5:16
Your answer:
7:21
